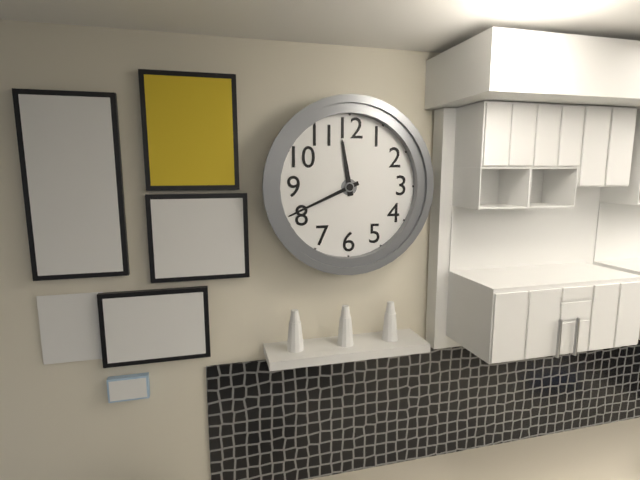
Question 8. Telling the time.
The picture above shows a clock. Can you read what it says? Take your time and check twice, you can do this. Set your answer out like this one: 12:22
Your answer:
11:41
